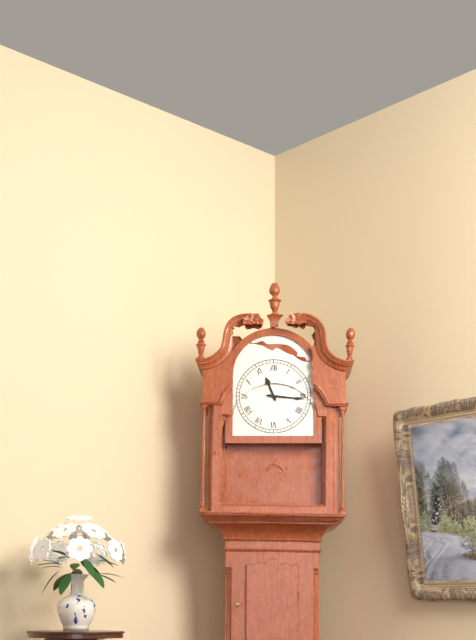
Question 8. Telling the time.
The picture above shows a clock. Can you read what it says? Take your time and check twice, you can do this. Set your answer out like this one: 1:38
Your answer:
11:16
